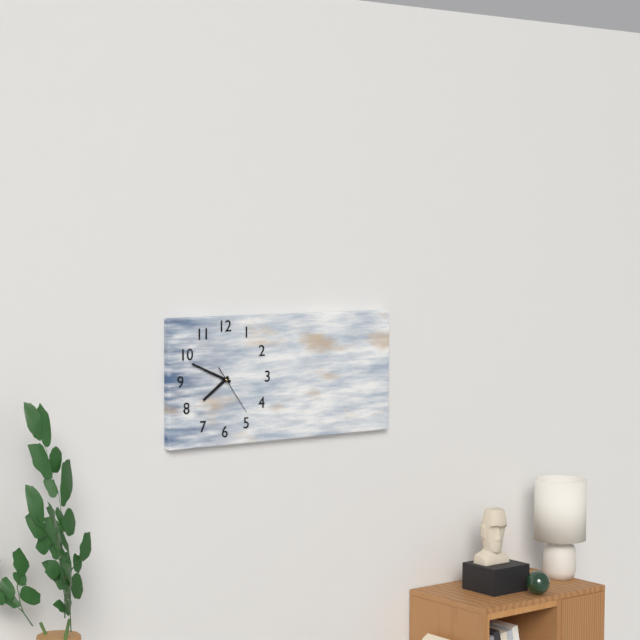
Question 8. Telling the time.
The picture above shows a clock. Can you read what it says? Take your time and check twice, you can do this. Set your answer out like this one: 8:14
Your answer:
7:49
